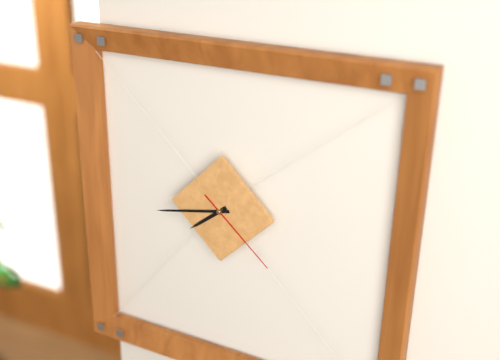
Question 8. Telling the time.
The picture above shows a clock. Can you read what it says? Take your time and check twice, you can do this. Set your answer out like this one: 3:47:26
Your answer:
7:43:22
